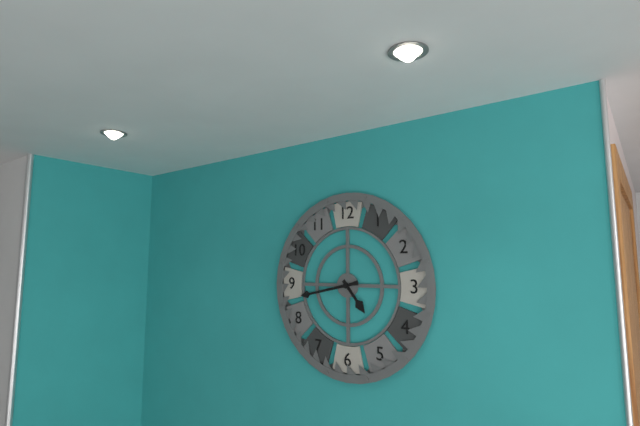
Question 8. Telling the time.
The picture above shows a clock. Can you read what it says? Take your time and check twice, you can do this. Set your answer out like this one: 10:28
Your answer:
4:43
